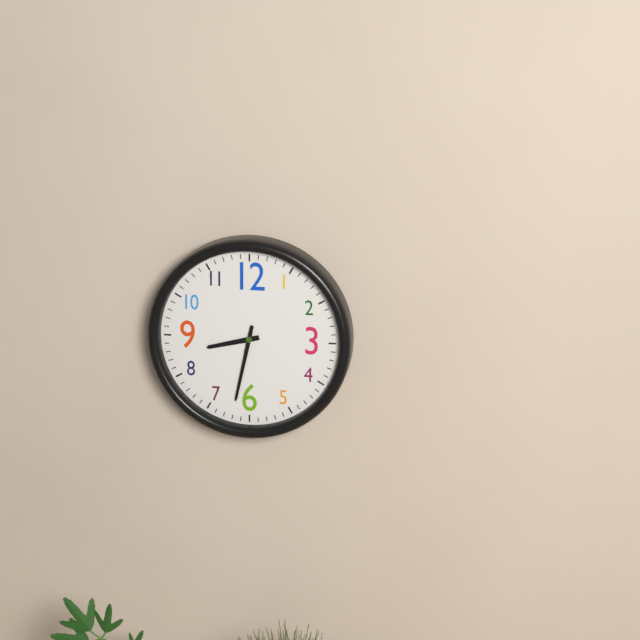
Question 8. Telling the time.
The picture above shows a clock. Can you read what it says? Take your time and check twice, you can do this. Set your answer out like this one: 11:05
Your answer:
8:32
